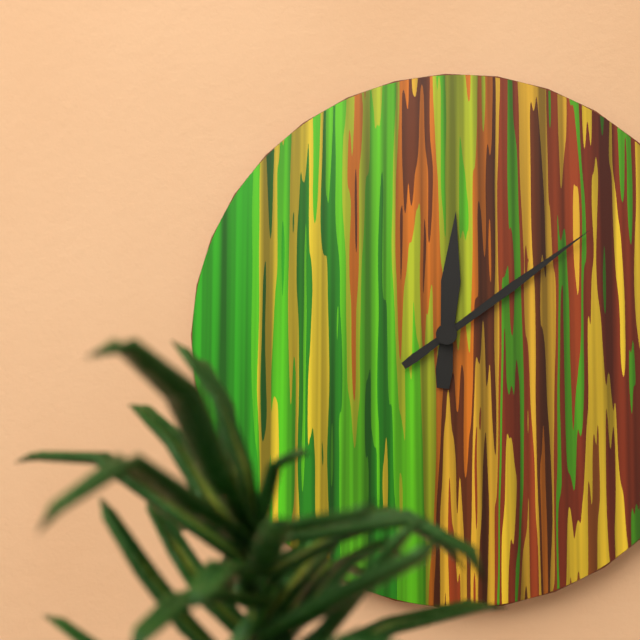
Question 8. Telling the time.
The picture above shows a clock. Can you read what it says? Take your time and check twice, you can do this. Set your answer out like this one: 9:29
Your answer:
12:09
